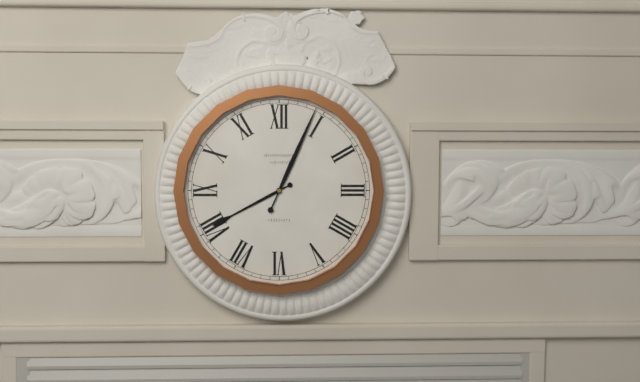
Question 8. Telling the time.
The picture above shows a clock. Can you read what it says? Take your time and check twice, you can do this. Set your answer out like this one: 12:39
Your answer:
8:04
